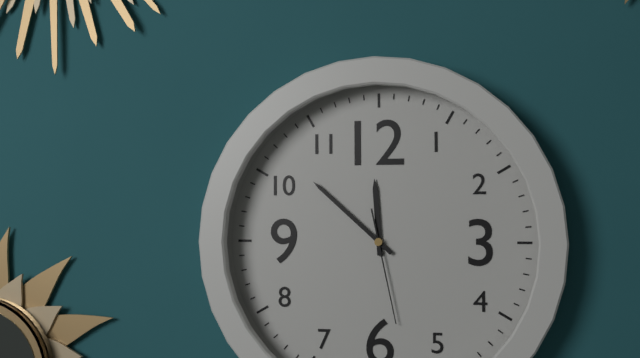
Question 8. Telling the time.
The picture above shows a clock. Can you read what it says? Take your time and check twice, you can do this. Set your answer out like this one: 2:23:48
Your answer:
11:52:28
